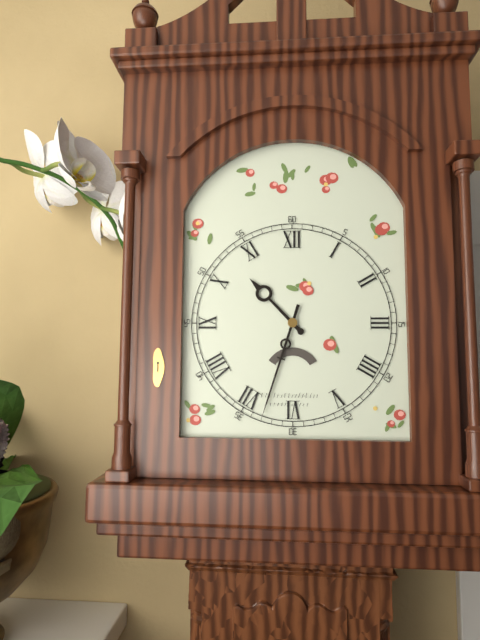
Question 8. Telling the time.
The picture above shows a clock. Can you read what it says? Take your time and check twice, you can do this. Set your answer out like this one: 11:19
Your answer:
10:33
